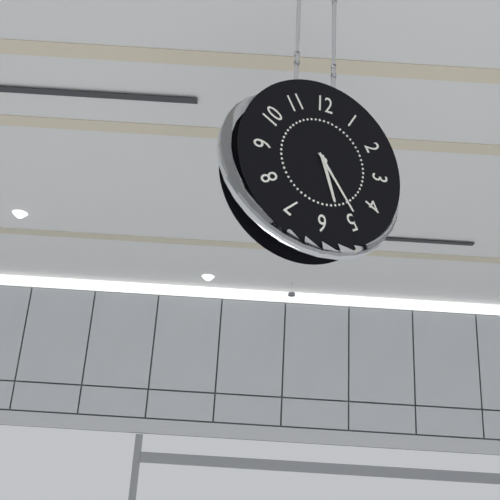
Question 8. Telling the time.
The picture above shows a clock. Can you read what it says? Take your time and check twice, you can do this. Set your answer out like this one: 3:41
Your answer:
5:24
